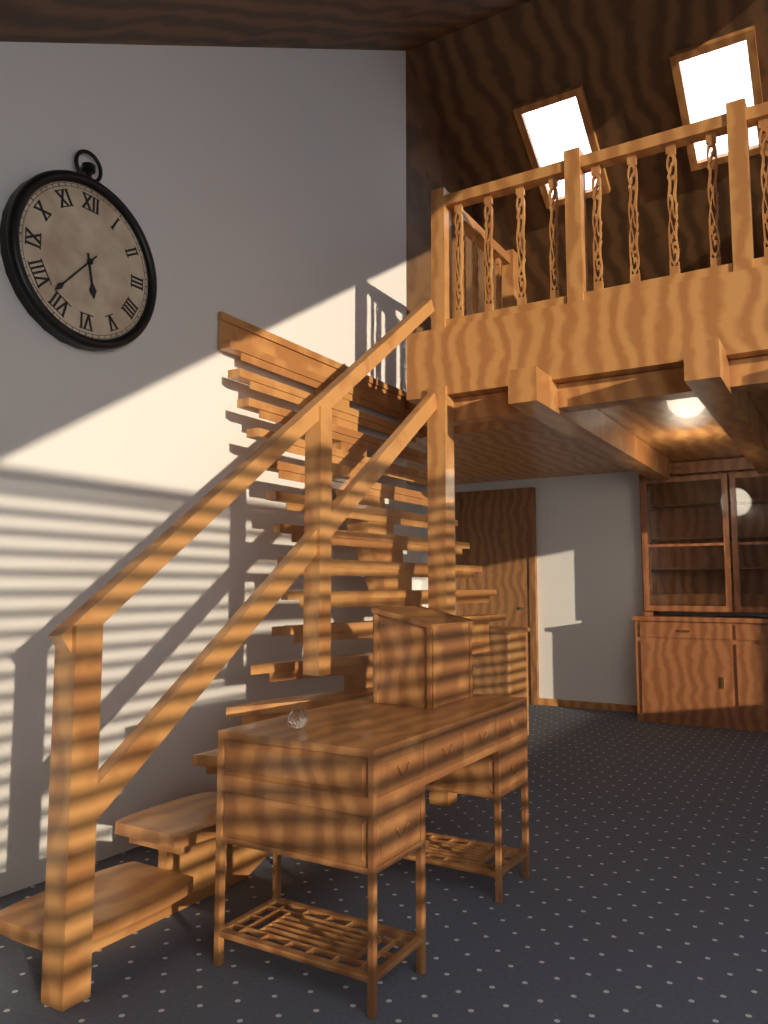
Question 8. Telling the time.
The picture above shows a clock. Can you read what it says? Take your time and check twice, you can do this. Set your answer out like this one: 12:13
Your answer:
5:37
